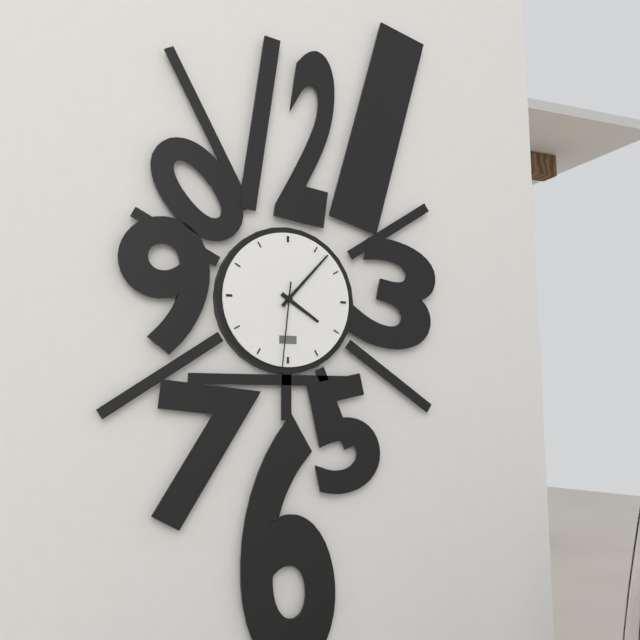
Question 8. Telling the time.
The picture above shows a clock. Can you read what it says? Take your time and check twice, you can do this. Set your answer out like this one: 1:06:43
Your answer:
4:07:31
